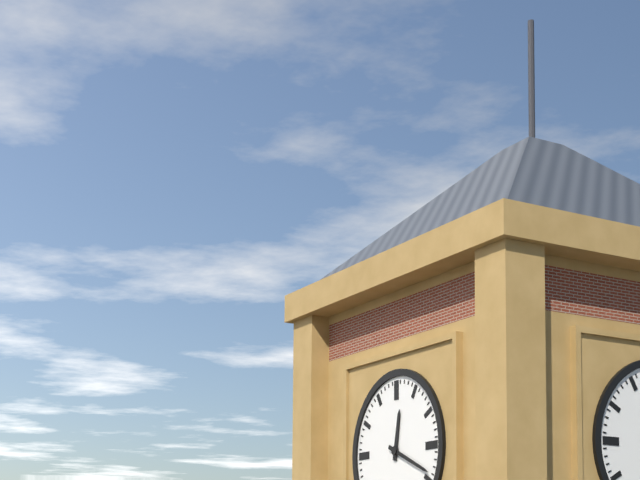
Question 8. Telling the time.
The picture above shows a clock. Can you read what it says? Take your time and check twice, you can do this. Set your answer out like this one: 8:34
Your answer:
12:19
